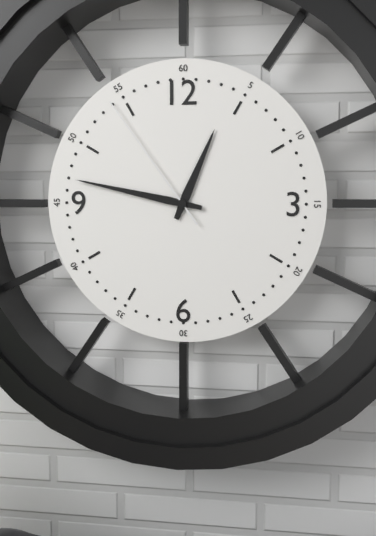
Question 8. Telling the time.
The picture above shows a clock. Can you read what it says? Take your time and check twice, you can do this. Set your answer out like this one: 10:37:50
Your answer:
12:47:54
